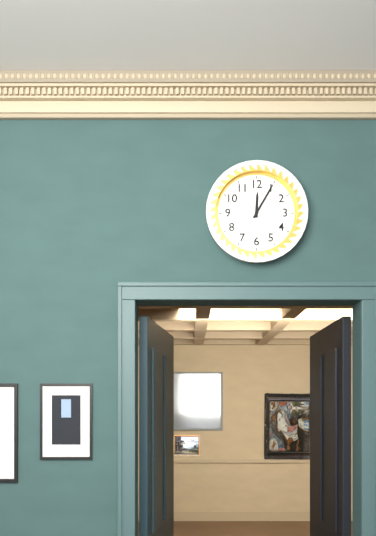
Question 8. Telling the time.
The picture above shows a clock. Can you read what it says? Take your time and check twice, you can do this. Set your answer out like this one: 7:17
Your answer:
12:05
